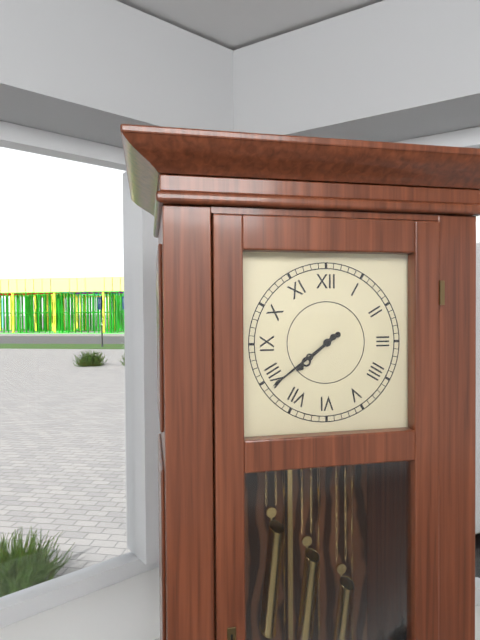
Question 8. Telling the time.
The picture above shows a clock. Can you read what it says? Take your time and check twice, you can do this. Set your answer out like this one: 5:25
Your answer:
7:39
